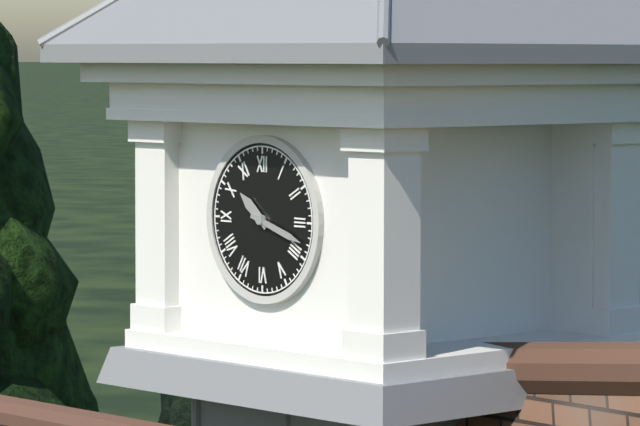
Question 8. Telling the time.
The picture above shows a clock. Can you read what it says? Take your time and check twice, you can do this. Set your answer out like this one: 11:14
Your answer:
10:18
